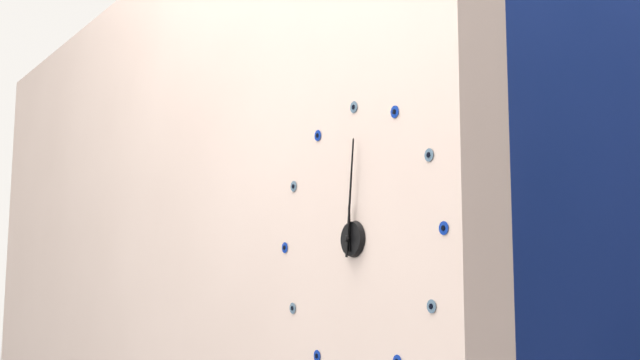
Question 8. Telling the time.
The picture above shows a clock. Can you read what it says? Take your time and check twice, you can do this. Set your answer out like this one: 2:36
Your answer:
12:01
